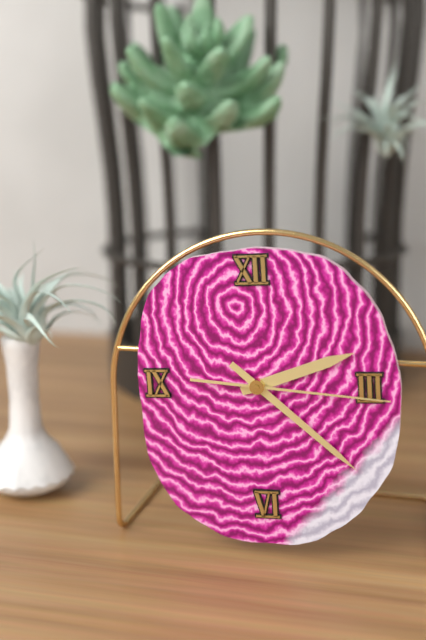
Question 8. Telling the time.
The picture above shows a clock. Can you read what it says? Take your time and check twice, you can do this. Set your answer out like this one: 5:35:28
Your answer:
2:22:16
